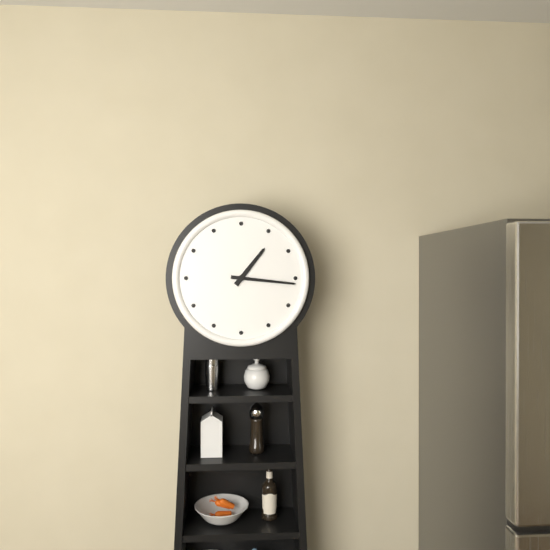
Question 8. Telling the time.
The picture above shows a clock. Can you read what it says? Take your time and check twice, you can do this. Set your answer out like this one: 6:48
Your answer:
1:16
